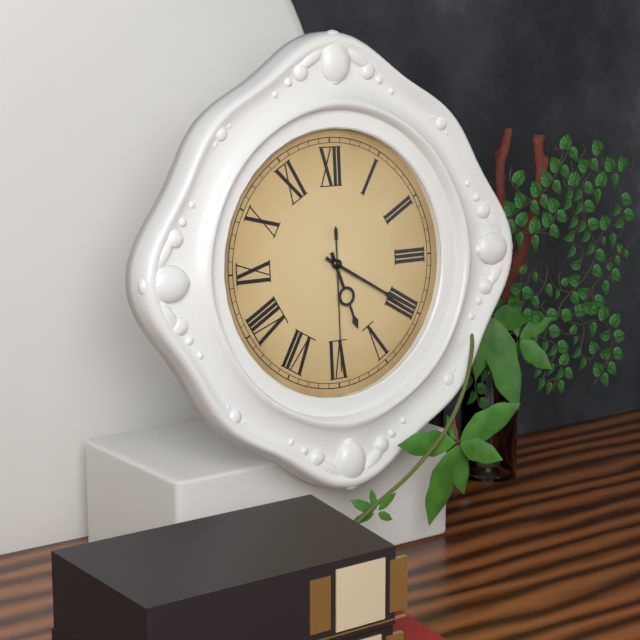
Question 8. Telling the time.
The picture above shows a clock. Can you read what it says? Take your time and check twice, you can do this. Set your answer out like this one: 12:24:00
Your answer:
5:20:30
